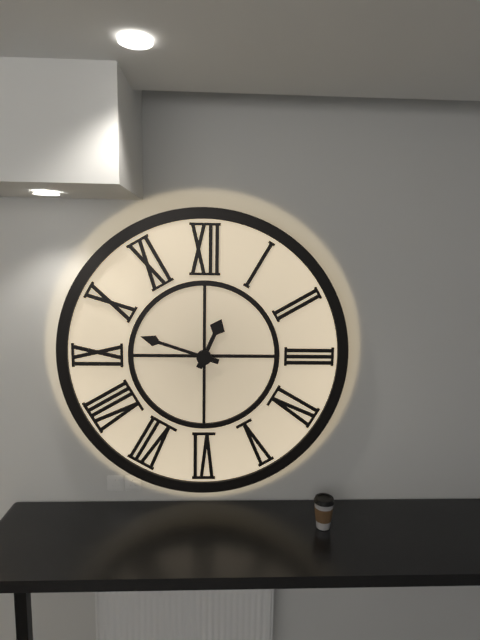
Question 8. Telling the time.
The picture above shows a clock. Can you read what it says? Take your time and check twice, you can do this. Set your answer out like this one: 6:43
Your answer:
12:48
